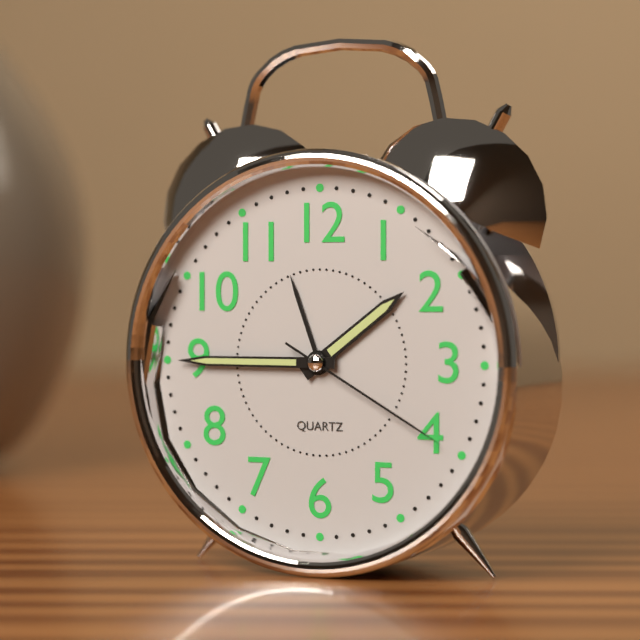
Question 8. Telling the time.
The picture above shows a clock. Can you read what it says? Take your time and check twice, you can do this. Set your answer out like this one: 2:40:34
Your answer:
1:45:20
